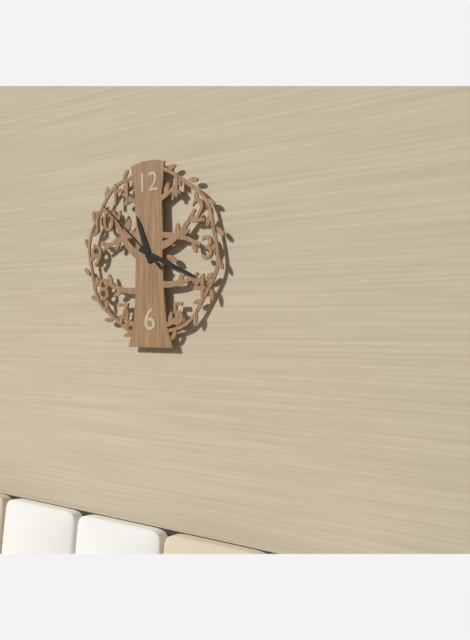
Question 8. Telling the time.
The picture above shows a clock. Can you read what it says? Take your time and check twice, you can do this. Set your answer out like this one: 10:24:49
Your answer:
11:19:52
